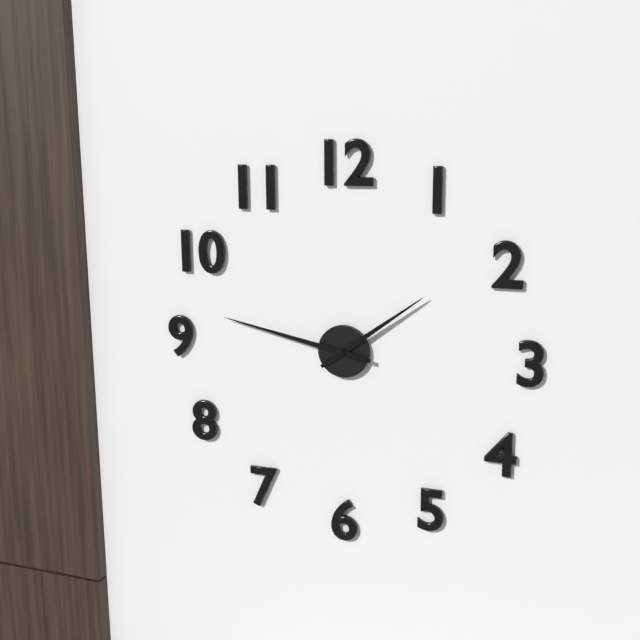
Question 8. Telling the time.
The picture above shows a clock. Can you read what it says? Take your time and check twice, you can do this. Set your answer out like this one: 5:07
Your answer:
1:47
